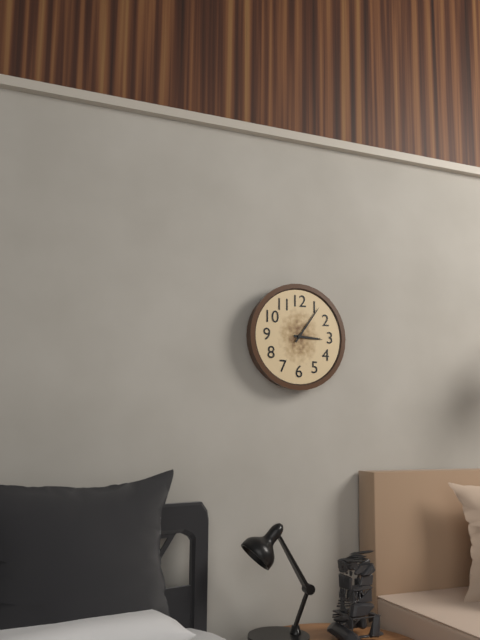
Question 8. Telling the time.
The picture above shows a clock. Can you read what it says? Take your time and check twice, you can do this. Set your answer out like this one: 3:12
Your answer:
3:06
